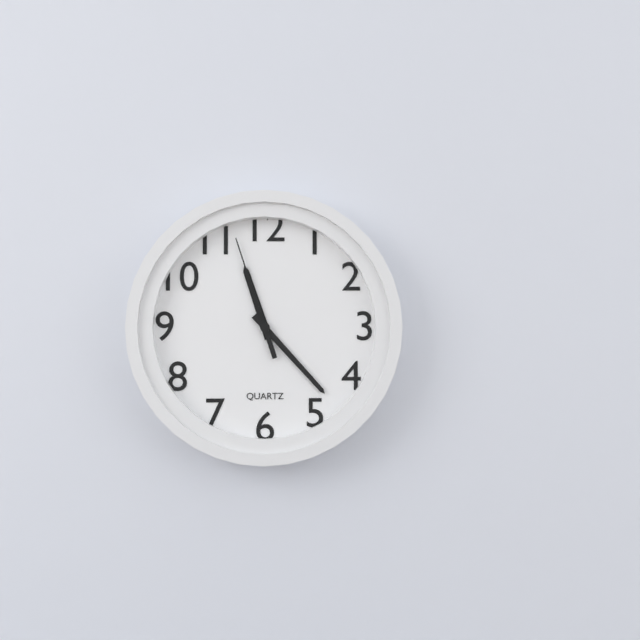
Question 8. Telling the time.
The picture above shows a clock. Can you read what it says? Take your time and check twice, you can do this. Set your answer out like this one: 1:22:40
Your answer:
11:23:57
